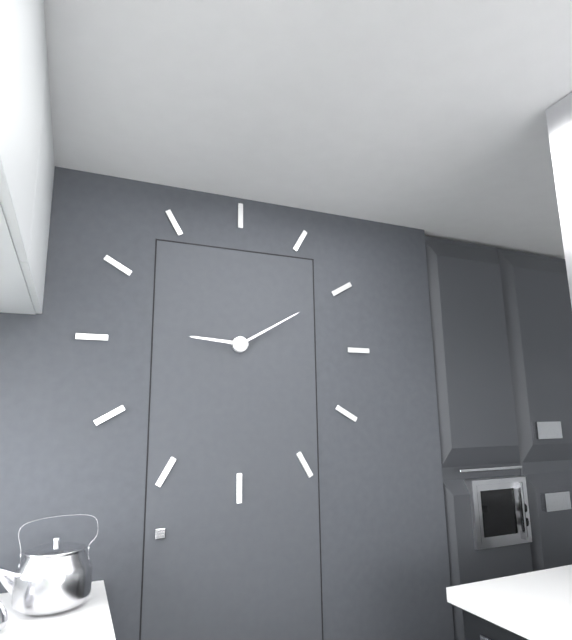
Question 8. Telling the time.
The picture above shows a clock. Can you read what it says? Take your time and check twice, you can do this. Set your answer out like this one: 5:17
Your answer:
9:10
